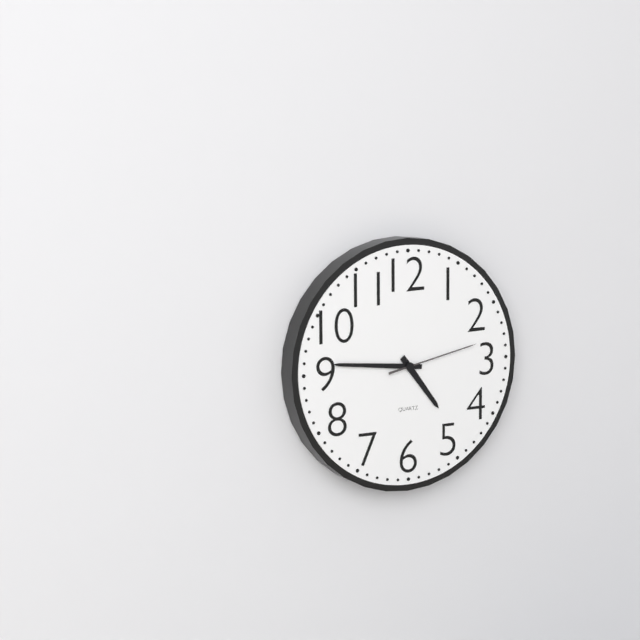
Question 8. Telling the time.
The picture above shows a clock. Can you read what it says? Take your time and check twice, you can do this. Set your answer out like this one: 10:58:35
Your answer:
4:46:13
